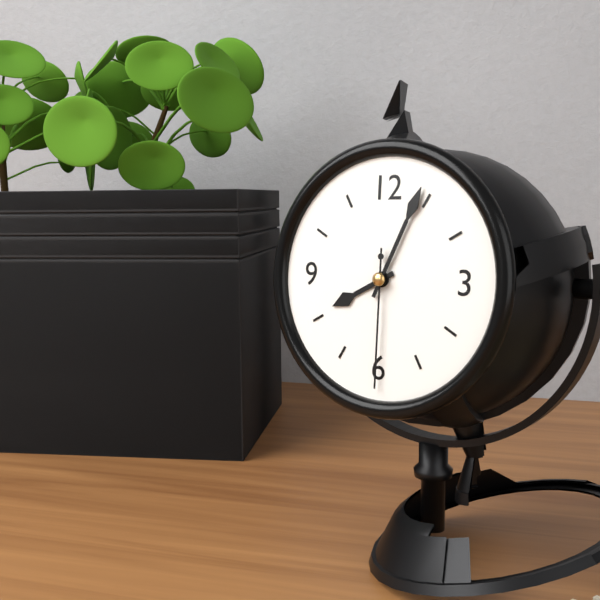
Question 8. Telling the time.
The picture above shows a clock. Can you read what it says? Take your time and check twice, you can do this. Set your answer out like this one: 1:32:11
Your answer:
8:04:30
